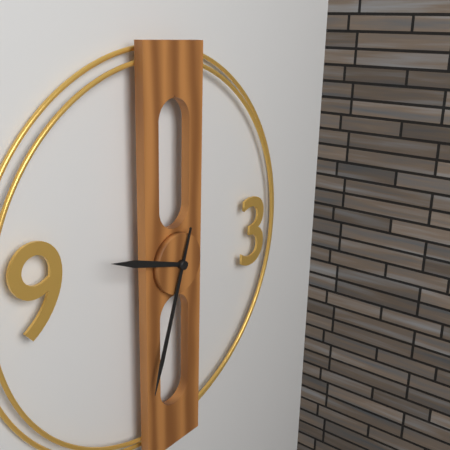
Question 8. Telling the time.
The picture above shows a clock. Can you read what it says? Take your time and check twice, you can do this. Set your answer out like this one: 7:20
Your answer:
9:33
